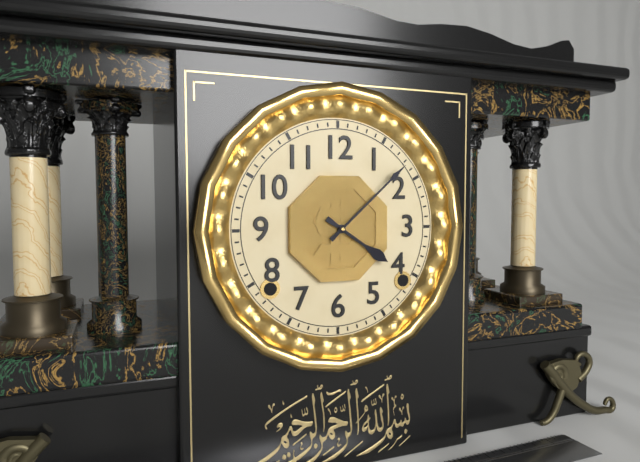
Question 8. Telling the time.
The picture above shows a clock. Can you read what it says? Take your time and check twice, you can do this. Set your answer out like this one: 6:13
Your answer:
4:08
